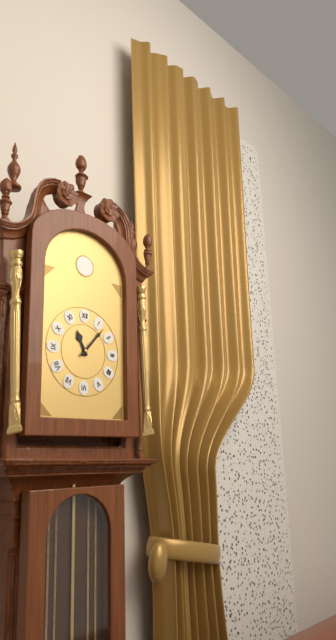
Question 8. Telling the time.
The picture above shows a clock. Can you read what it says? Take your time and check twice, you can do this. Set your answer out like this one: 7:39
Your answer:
11:07
